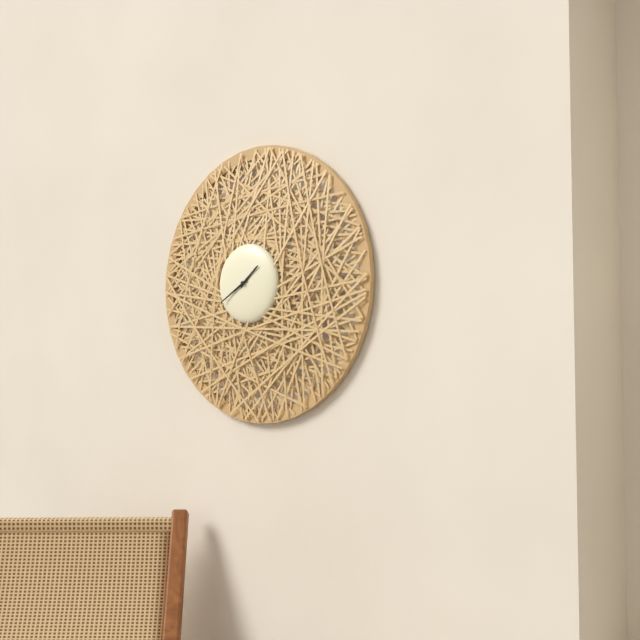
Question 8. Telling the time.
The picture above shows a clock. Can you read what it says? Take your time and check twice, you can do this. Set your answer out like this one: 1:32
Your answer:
1:40
